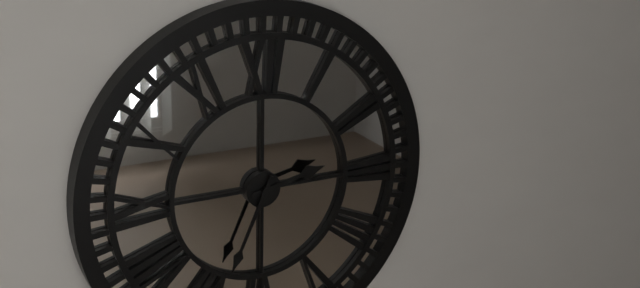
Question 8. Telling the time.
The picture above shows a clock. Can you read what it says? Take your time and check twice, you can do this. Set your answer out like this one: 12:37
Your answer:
2:34
